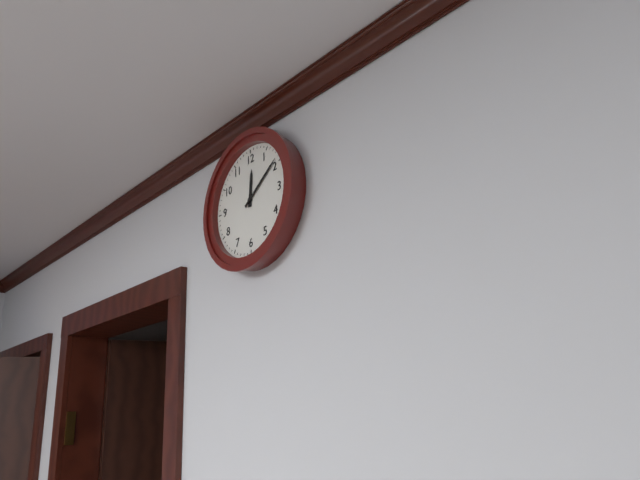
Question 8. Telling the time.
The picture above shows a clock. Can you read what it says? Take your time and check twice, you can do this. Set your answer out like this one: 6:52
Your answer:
12:09
